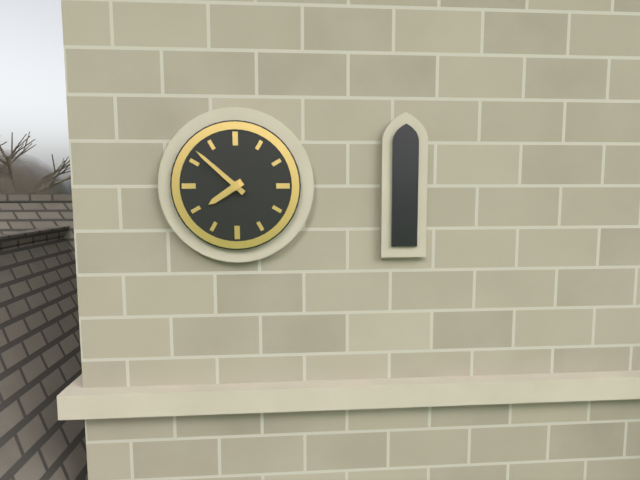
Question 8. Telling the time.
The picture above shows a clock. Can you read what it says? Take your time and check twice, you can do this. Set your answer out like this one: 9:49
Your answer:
7:52
